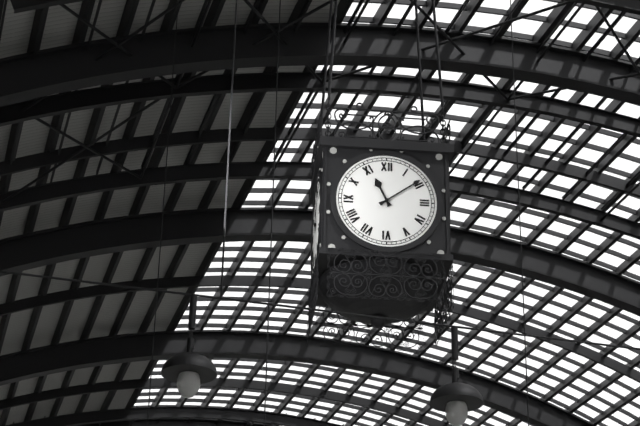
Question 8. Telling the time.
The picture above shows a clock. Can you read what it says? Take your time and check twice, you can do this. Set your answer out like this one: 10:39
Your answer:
11:09
